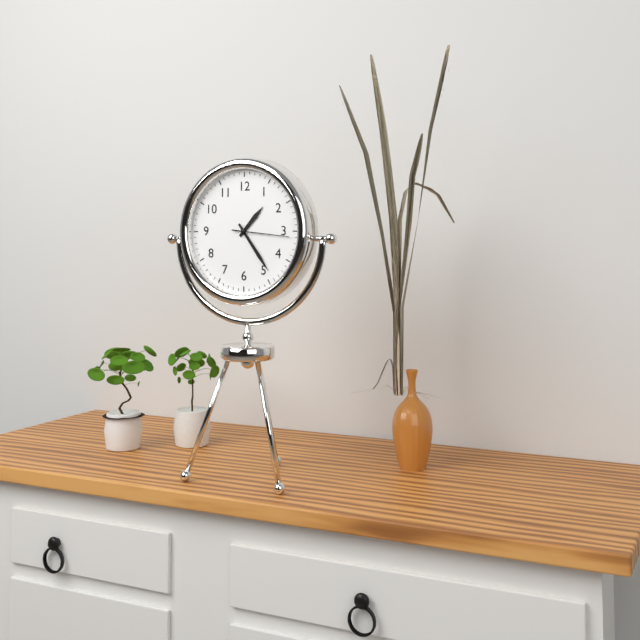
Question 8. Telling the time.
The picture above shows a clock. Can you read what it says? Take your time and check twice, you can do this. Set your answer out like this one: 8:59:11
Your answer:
1:24:16
